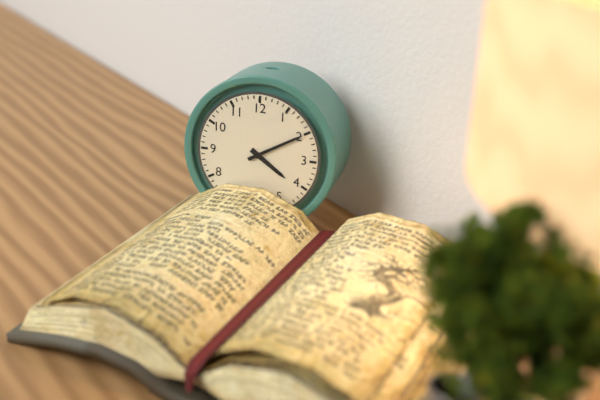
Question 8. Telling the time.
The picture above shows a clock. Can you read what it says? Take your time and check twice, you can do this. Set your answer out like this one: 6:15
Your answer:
4:10
